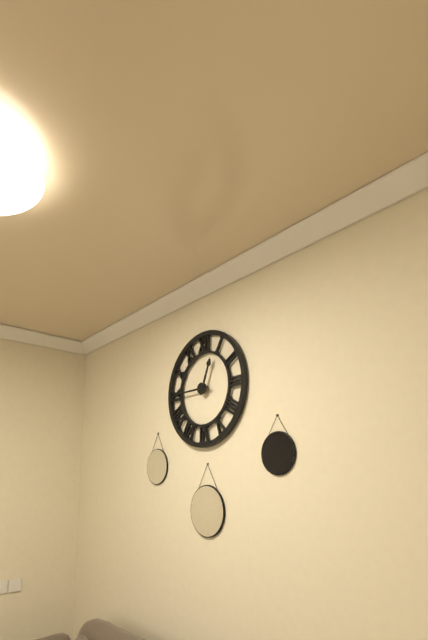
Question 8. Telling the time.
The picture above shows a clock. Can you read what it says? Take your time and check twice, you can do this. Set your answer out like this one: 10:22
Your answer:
12:45
